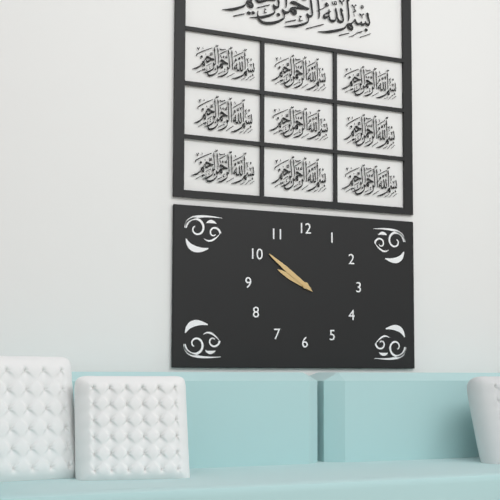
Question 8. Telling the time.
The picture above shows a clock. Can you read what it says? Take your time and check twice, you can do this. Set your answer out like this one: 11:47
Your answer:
9:51
